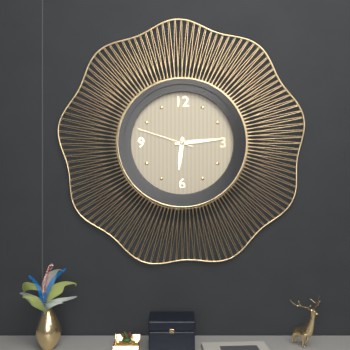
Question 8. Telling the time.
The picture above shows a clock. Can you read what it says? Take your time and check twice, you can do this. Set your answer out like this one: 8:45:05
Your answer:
6:14:48
